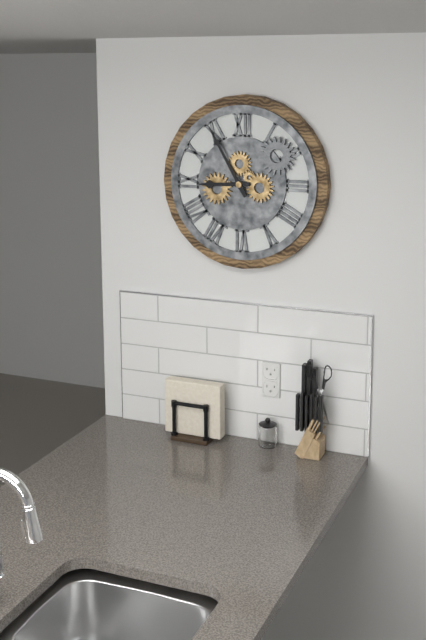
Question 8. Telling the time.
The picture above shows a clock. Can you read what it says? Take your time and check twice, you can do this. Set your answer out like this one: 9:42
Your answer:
8:55
